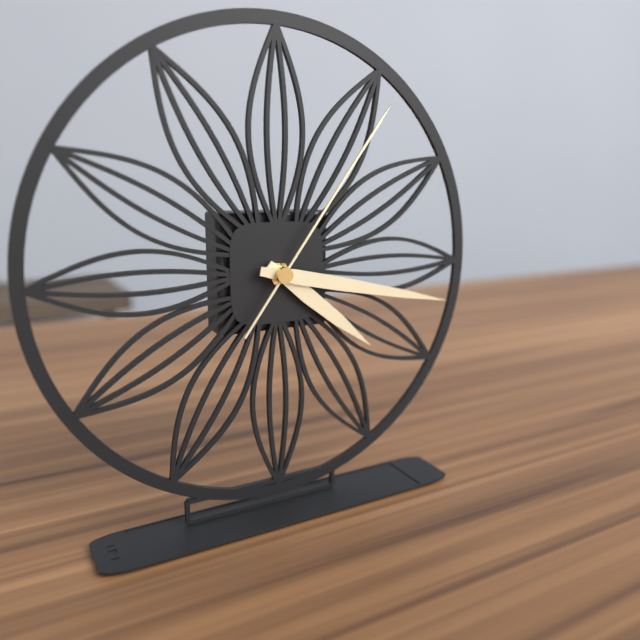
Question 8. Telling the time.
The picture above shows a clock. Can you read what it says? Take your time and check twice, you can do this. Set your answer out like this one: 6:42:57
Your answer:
4:17:06
